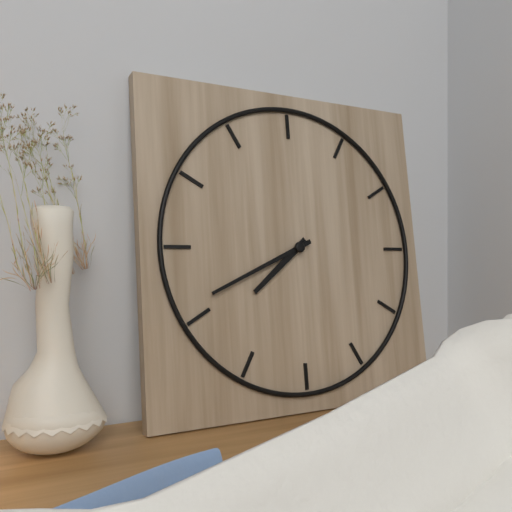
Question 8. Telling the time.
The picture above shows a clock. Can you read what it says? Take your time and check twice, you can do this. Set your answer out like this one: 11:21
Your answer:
7:41
